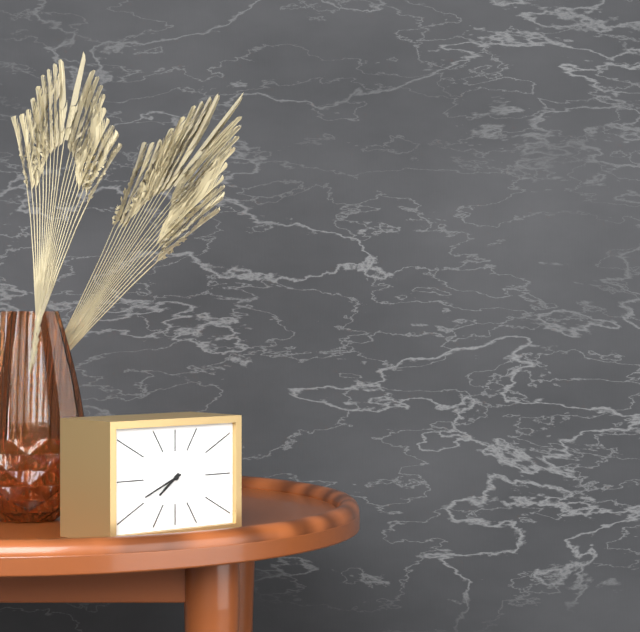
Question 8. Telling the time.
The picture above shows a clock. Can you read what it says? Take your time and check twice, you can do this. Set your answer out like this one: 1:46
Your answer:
7:41
